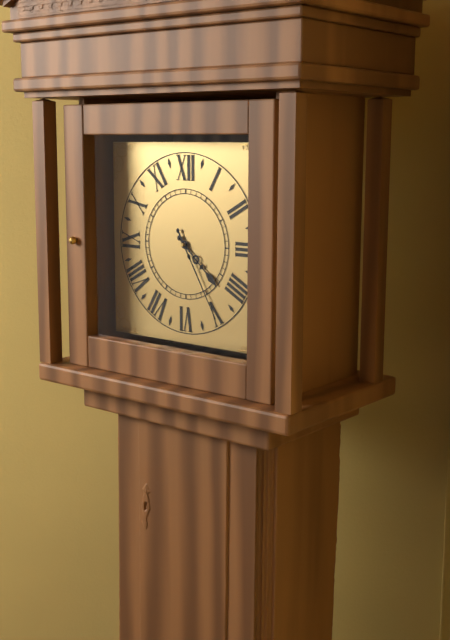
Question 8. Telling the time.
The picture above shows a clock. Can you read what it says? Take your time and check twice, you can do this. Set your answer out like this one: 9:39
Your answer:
4:25
